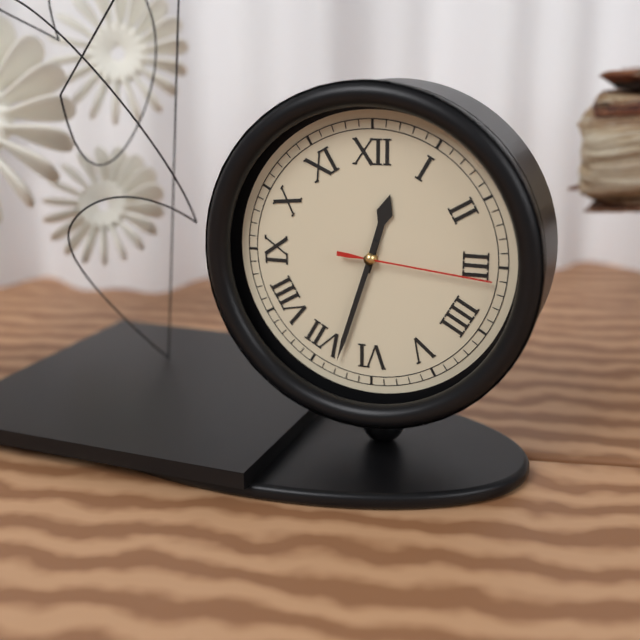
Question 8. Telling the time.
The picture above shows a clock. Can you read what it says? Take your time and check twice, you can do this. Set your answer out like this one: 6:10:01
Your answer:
12:33:16
